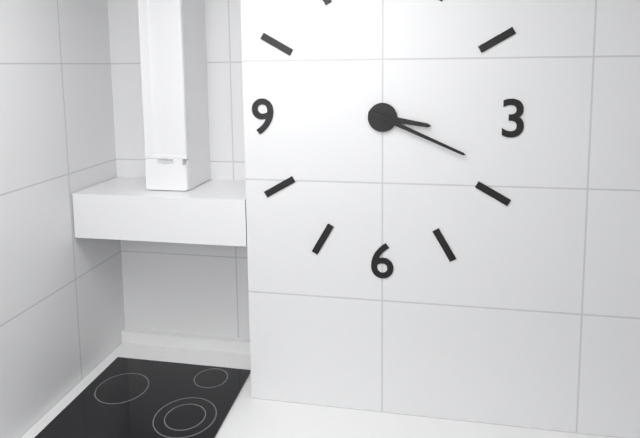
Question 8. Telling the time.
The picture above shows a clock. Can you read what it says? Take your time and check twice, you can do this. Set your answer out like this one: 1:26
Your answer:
3:19
